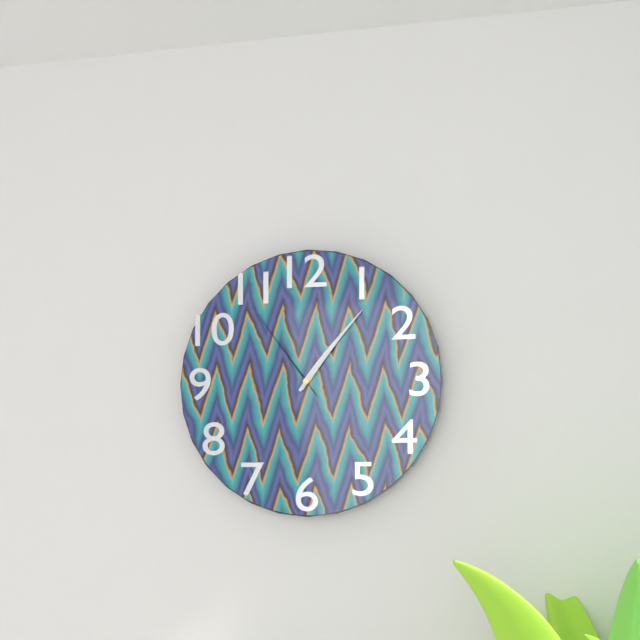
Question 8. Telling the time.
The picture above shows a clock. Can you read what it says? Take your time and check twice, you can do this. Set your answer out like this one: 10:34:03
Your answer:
1:06:54
